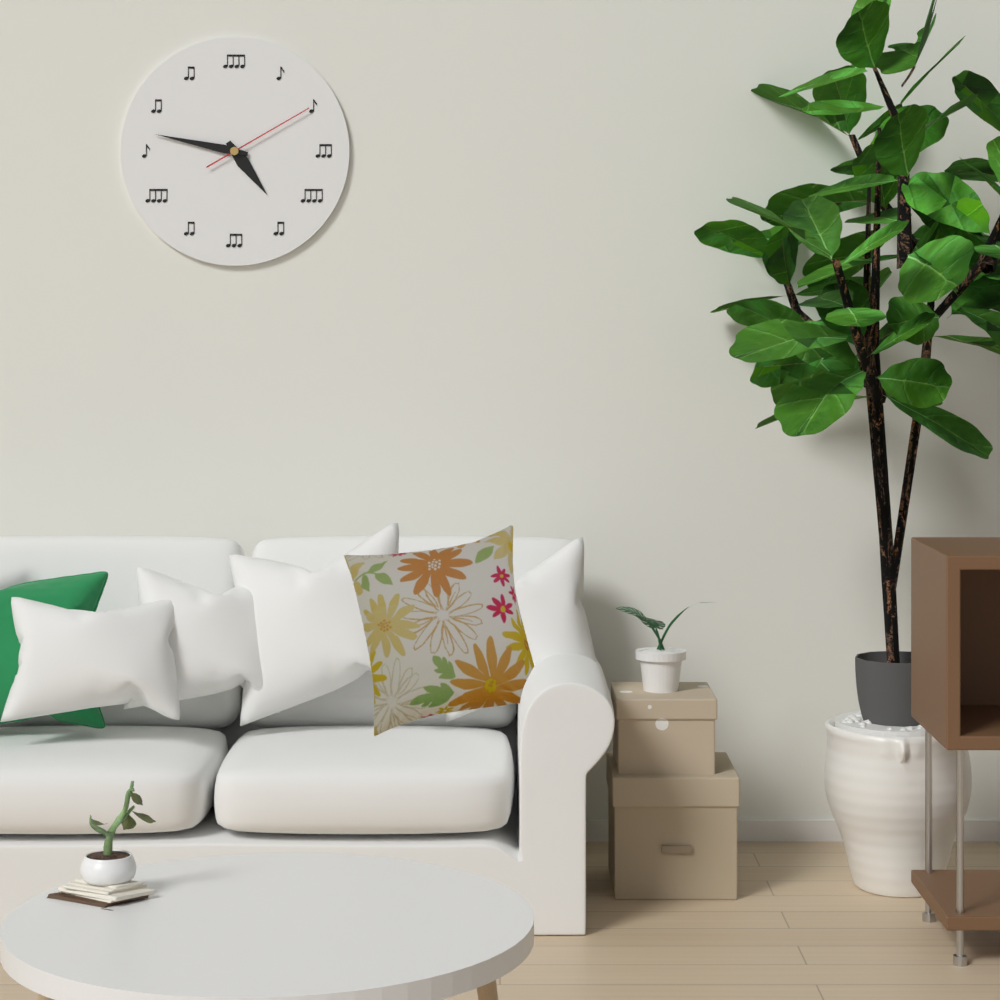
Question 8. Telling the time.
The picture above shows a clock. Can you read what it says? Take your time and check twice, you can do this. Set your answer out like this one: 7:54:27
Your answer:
4:47:10
